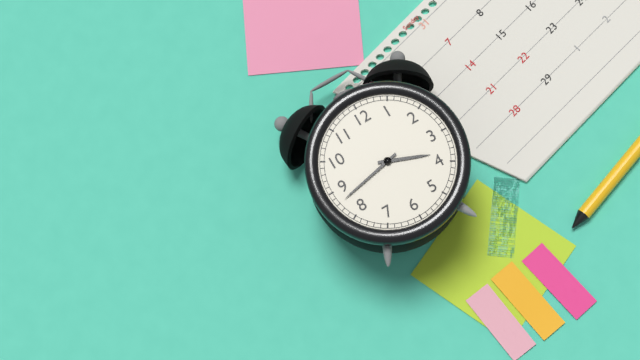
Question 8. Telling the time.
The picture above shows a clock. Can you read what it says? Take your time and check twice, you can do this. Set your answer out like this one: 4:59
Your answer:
3:43
